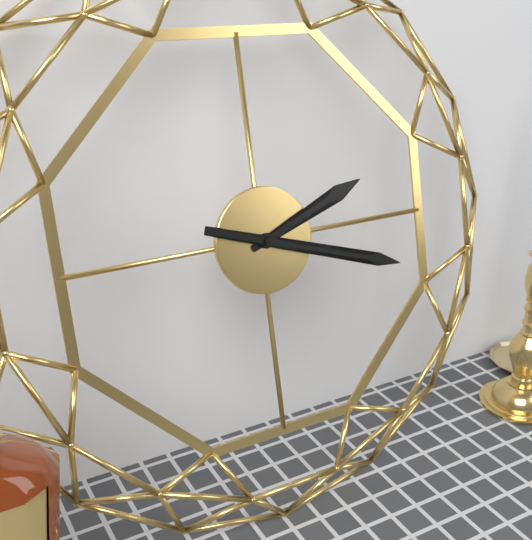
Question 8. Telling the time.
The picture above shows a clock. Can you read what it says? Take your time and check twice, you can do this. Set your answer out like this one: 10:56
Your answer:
2:18
